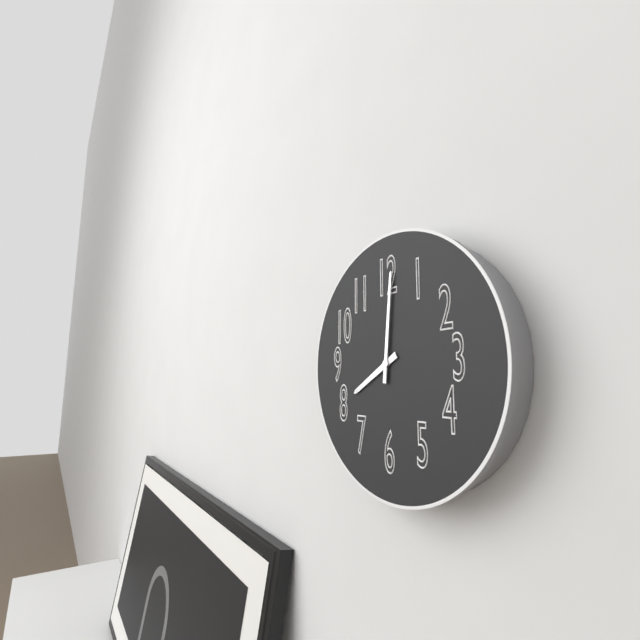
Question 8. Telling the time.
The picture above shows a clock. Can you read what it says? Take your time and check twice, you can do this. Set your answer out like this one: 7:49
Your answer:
8:01
